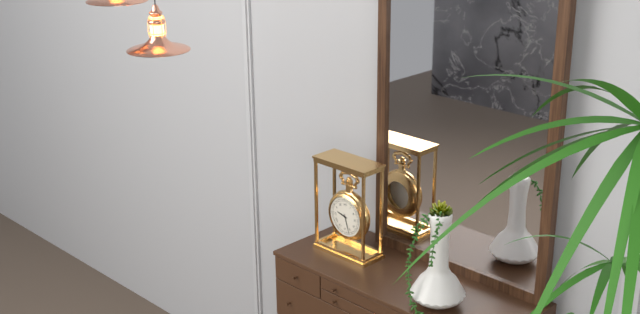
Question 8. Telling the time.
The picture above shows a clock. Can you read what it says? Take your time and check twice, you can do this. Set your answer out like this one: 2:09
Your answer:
9:27
